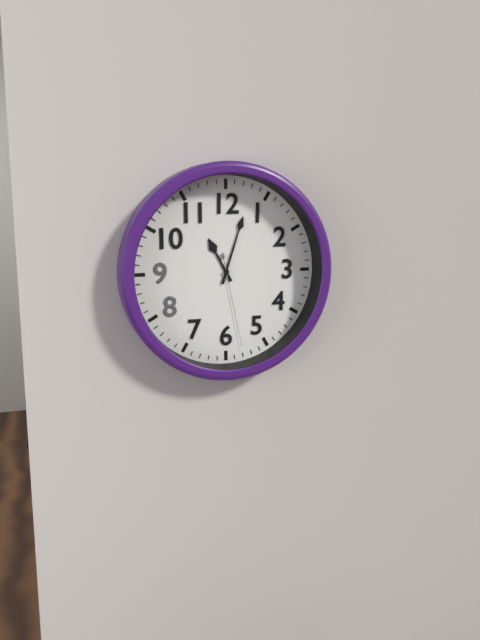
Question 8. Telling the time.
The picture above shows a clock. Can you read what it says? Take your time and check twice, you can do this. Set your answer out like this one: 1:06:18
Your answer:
11:03:28
